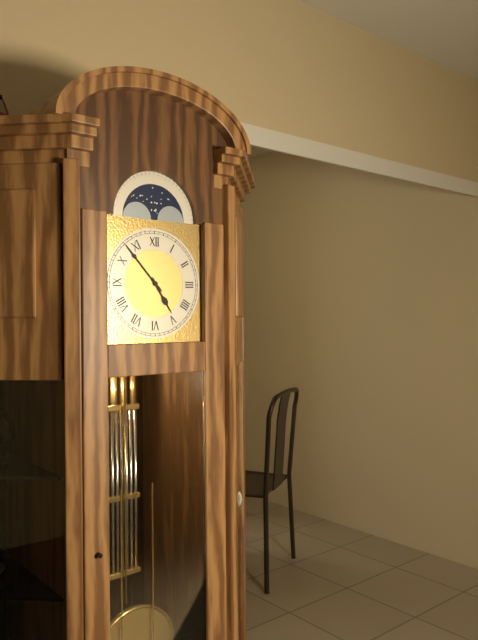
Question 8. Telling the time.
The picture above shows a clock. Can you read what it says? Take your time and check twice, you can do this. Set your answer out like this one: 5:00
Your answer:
4:53
